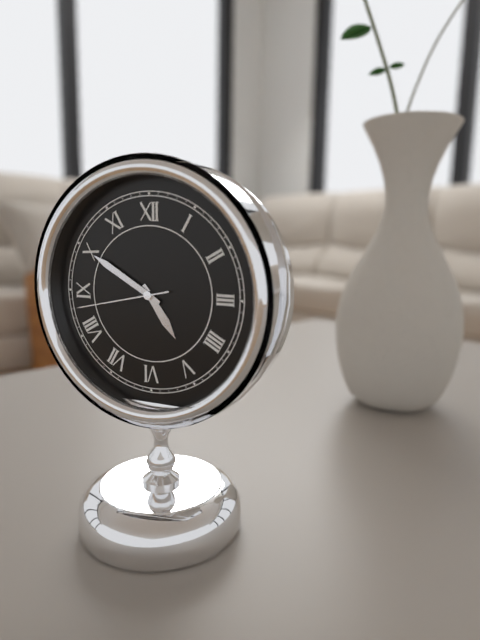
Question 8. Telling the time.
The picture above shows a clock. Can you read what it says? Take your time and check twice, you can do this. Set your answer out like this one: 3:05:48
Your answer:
4:50:43
